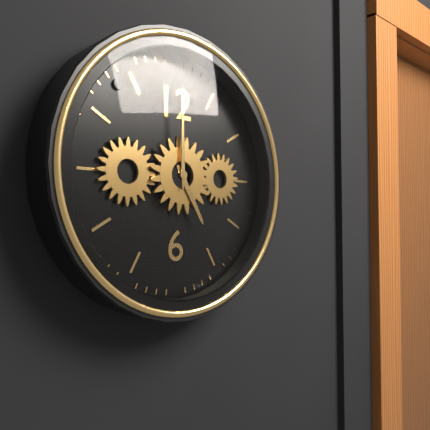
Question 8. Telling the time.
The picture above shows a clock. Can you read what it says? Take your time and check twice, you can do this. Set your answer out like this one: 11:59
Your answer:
5:00
